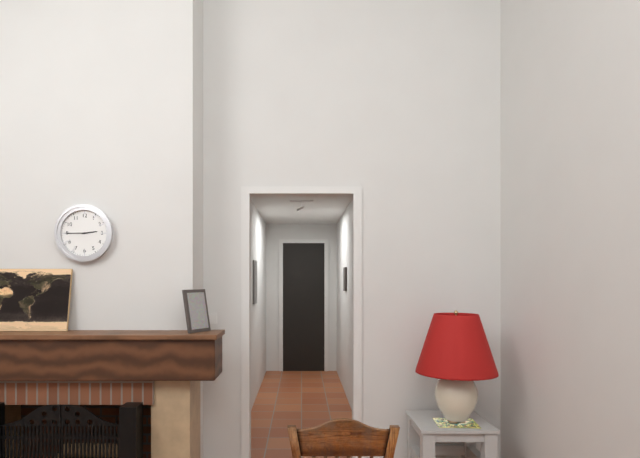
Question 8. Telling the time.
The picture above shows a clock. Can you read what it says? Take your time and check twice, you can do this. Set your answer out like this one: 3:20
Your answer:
2:45
